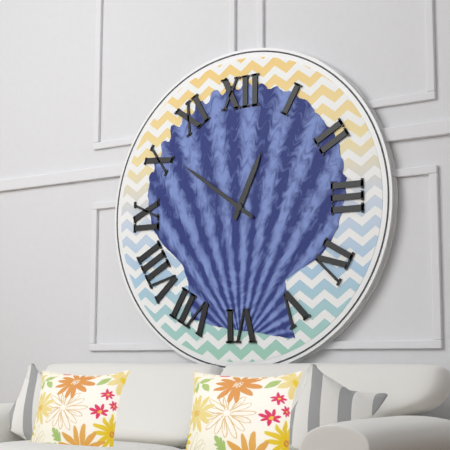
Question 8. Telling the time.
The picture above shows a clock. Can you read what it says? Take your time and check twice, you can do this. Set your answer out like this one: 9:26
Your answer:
12:51
